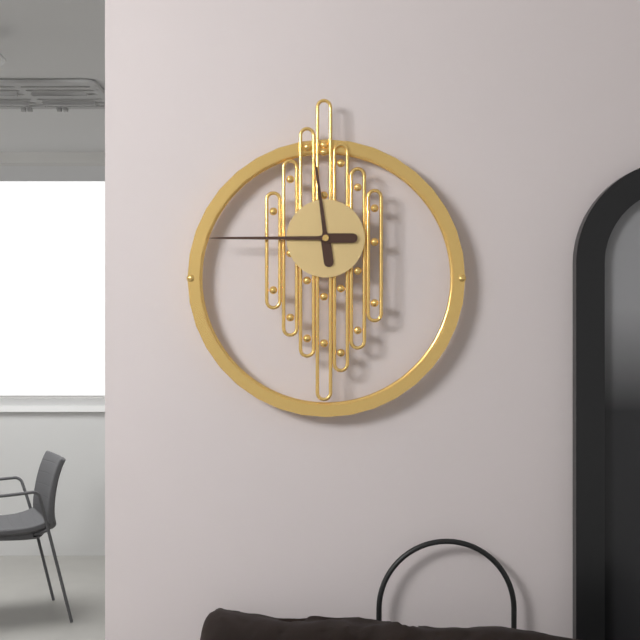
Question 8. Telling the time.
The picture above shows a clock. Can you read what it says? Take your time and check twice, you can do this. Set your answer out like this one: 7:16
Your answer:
11:45
